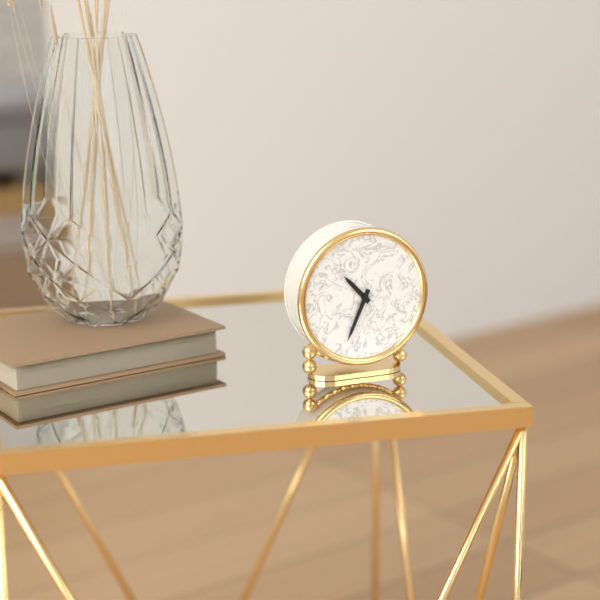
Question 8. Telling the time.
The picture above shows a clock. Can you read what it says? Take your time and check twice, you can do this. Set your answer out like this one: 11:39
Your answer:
10:34
